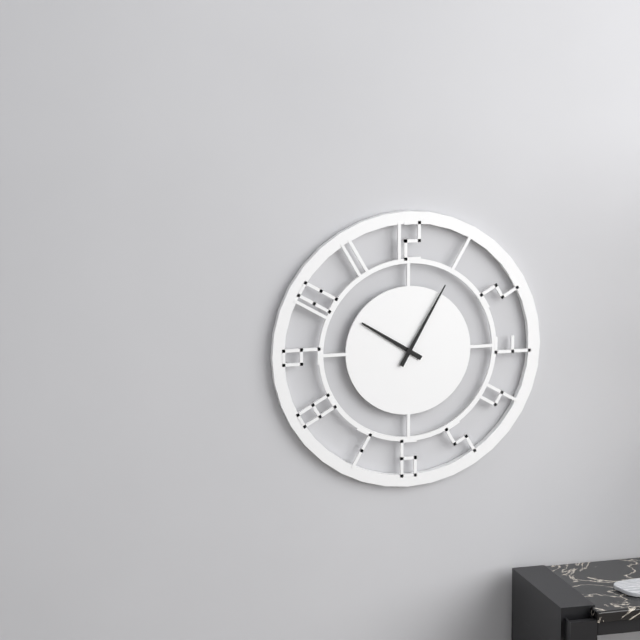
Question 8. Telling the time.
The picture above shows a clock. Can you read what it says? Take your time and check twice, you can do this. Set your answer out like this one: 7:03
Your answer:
10:05
